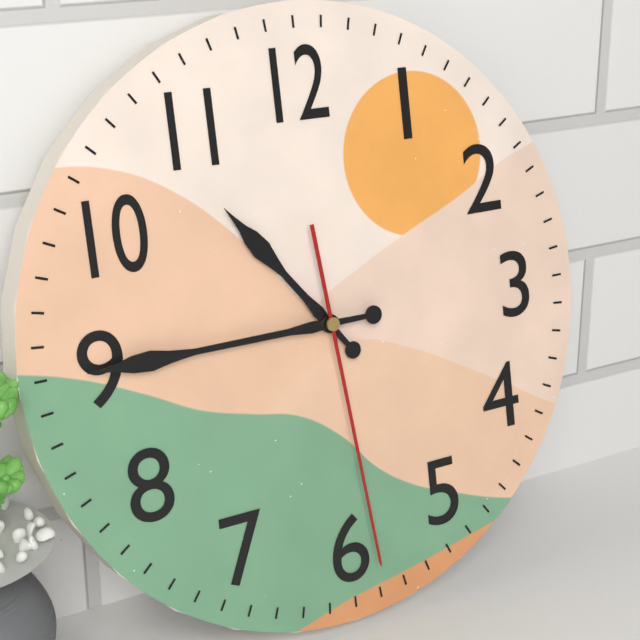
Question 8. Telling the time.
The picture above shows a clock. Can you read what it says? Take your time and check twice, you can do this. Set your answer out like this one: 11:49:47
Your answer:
10:45:29
